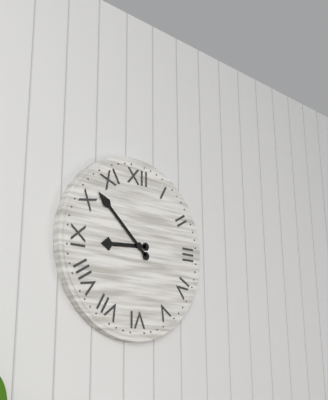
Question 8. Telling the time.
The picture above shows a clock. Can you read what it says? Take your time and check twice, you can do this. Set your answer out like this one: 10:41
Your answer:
8:52
